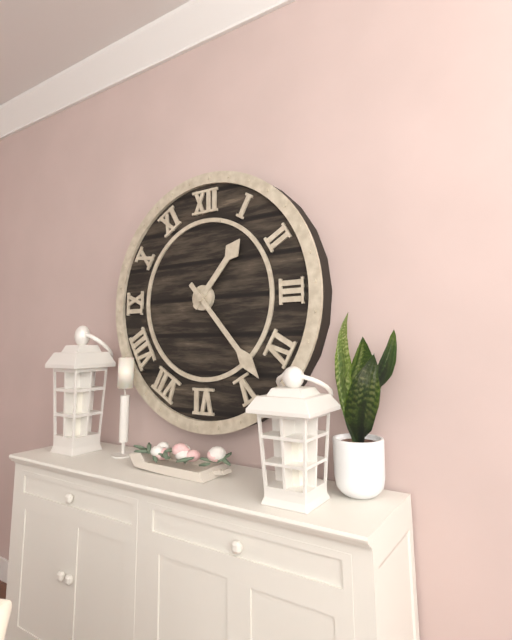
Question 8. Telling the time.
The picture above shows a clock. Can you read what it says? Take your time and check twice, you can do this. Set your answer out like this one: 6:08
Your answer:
1:23
